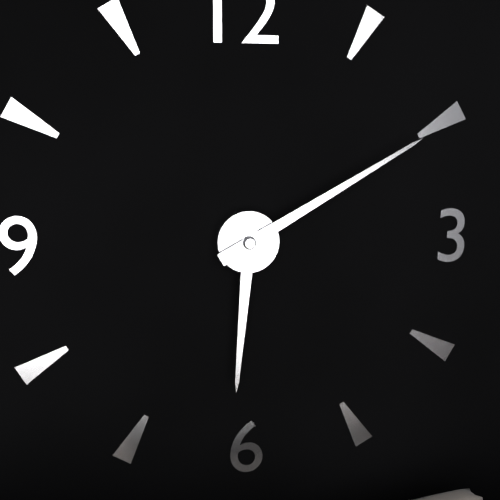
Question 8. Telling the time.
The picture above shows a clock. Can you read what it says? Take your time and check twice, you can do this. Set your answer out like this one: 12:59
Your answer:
6:10
